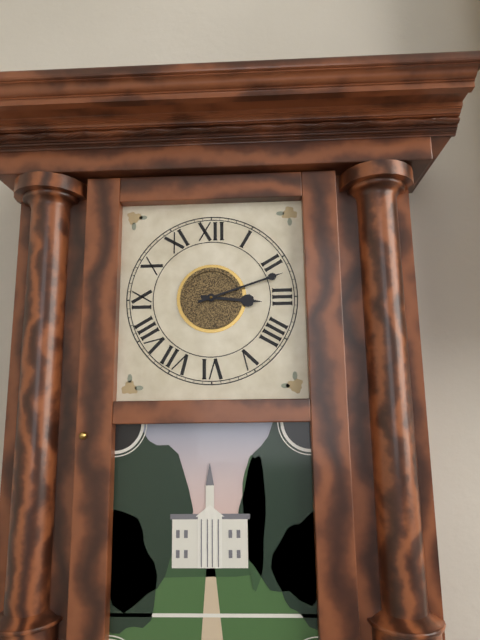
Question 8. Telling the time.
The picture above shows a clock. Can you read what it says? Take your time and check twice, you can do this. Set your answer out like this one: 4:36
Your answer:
3:12
